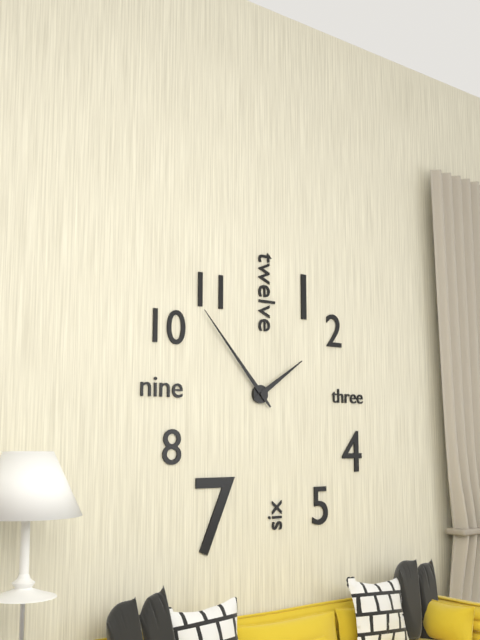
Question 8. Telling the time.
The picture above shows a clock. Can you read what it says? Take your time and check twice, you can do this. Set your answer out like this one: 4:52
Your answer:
1:53
